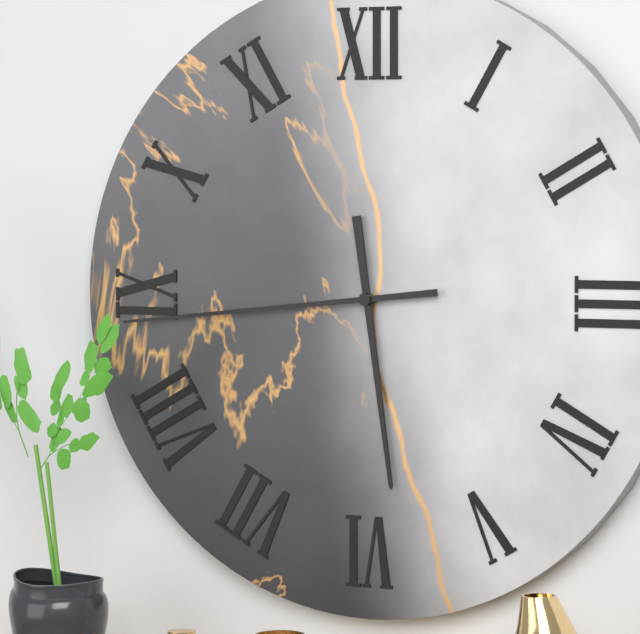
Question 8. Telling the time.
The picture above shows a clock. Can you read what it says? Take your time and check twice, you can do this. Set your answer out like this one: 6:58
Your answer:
5:44
